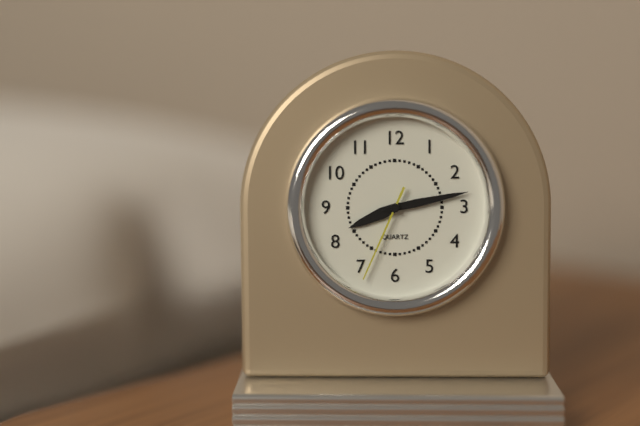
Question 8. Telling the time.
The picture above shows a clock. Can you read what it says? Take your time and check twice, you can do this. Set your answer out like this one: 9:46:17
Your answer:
8:13:34
